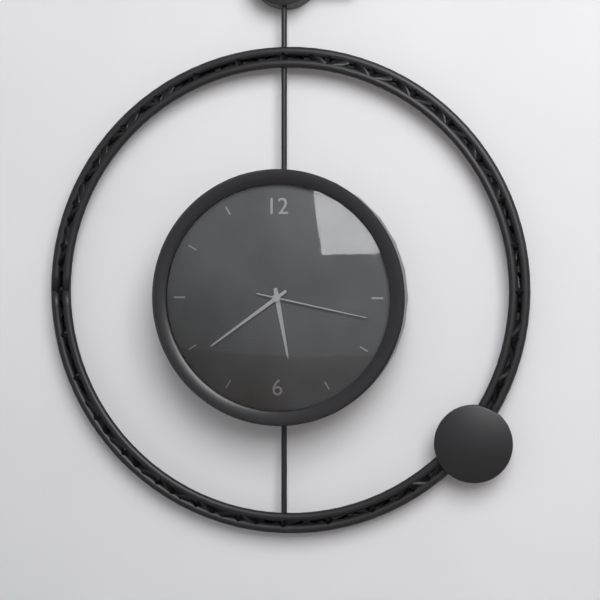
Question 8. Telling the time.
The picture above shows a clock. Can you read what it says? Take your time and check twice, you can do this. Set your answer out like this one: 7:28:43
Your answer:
5:39:17
